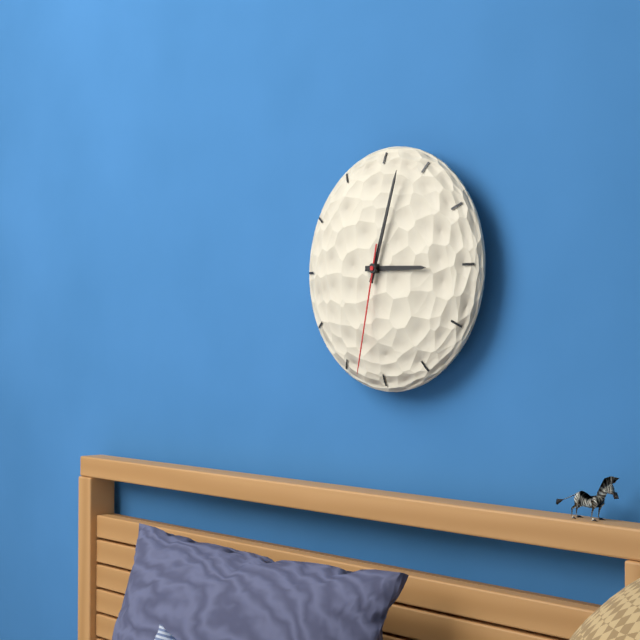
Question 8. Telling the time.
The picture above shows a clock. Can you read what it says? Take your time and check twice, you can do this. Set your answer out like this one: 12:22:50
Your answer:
3:03:32
